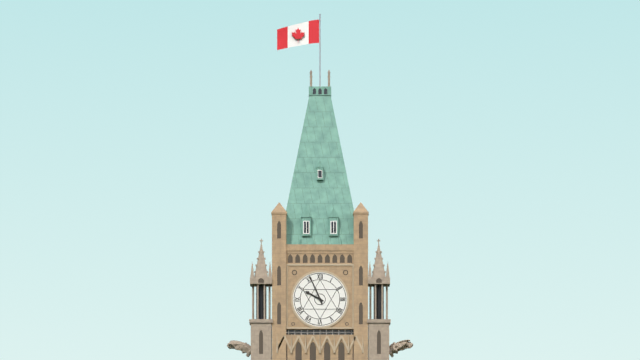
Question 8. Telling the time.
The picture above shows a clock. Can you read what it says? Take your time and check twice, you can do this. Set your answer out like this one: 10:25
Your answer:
9:56
